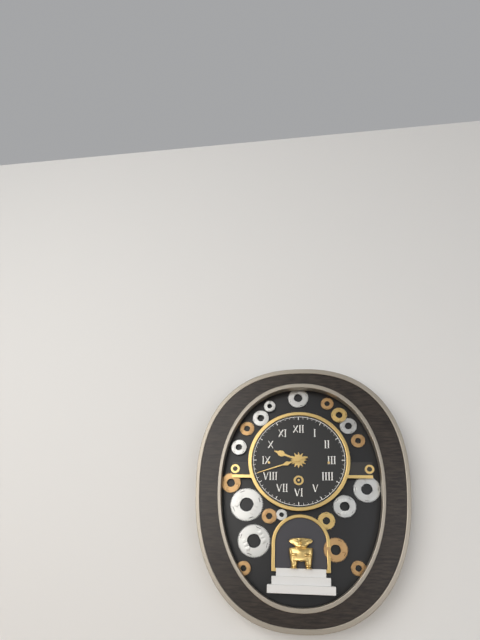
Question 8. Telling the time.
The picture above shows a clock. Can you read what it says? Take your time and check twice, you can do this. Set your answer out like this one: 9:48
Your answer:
9:42
